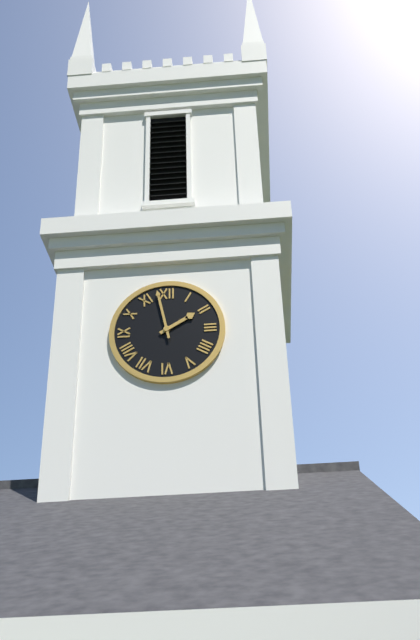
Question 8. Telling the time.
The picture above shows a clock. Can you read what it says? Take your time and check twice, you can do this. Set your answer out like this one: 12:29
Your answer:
1:58
